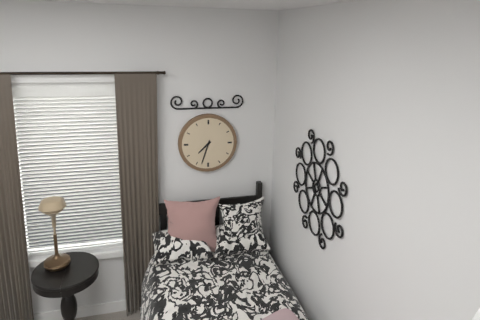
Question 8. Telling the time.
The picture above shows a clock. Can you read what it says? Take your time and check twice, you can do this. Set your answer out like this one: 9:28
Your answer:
7:33
